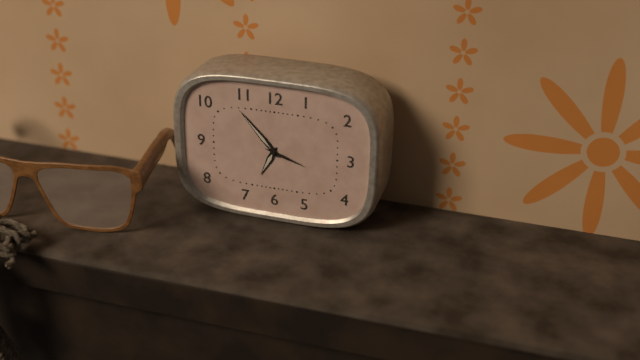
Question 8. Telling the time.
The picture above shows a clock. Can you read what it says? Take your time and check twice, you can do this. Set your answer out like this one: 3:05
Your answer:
6:53
